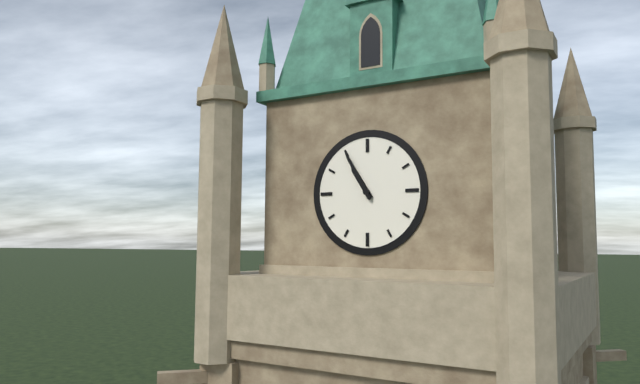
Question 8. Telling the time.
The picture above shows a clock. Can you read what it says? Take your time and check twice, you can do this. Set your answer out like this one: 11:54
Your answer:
10:55
